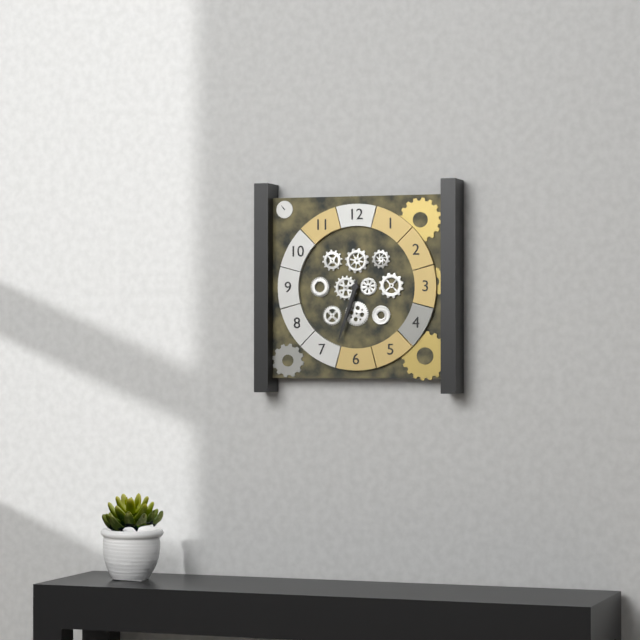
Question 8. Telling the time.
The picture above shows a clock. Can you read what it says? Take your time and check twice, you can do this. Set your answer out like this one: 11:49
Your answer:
6:33
